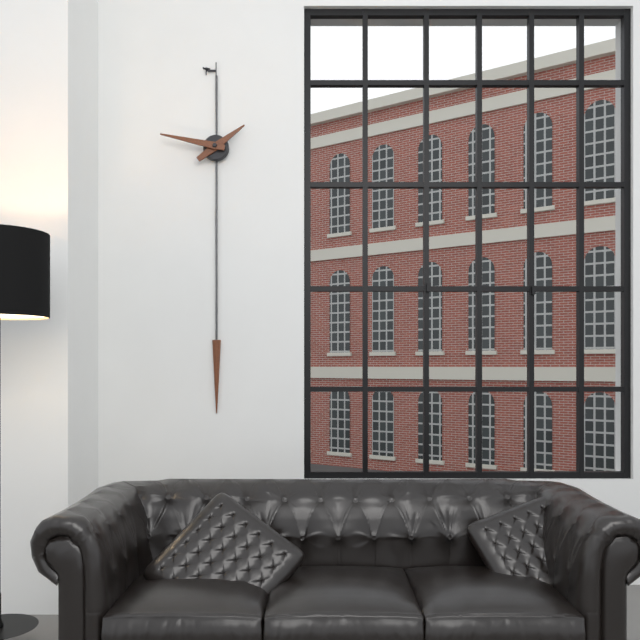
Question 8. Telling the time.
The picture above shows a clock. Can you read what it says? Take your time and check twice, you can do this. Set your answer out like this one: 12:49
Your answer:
1:47
